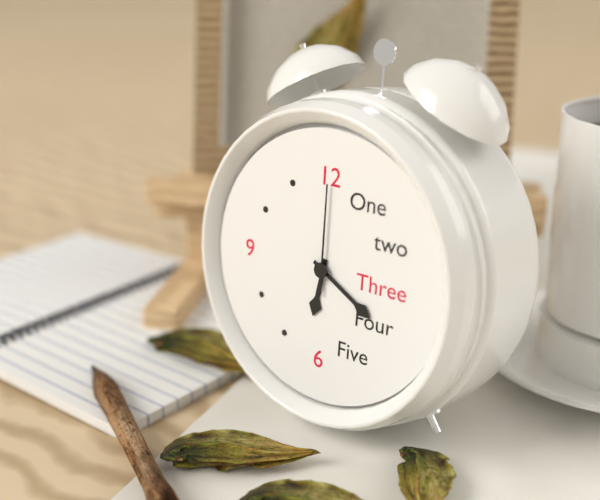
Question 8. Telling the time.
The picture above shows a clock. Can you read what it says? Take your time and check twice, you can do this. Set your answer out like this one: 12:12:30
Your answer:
6:20:00
